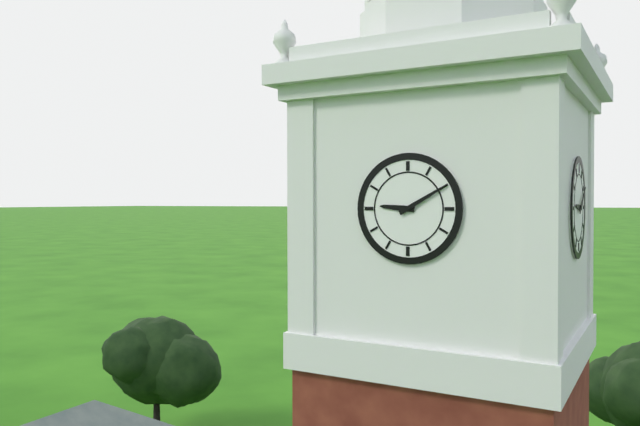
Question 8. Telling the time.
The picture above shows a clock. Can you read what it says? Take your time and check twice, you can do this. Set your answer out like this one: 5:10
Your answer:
9:10
